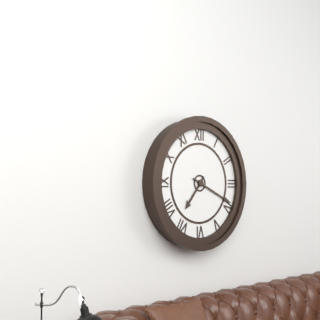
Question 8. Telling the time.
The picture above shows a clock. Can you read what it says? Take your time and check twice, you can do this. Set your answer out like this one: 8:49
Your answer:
7:19
